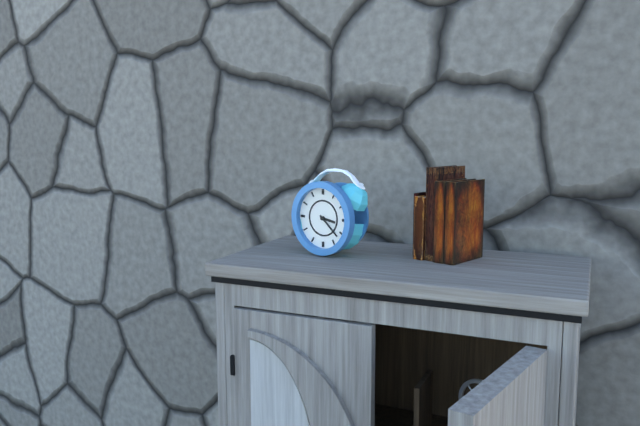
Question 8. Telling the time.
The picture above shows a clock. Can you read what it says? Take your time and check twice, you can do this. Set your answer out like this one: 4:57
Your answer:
3:22
